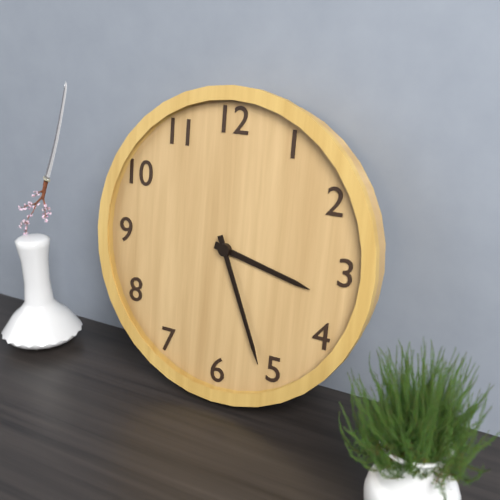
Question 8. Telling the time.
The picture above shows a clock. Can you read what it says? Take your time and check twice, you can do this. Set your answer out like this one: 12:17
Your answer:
3:26
